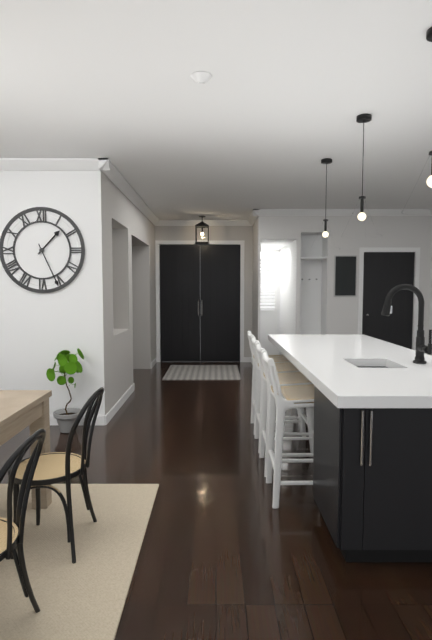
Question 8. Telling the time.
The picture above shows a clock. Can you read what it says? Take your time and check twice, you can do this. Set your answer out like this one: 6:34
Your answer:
1:26
